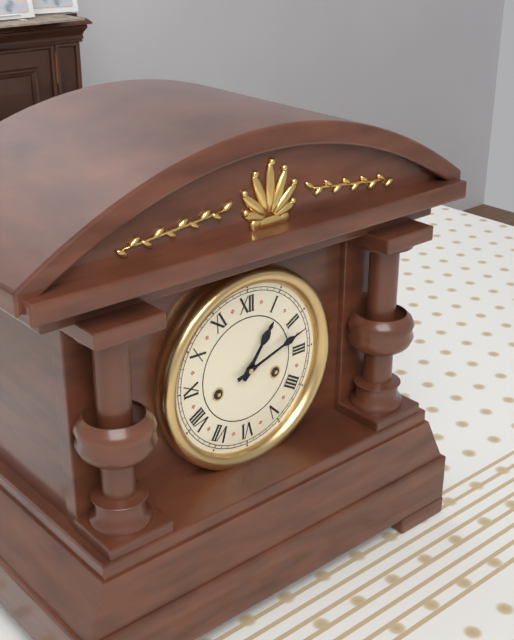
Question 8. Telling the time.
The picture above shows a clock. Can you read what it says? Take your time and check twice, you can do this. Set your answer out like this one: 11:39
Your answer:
1:12
